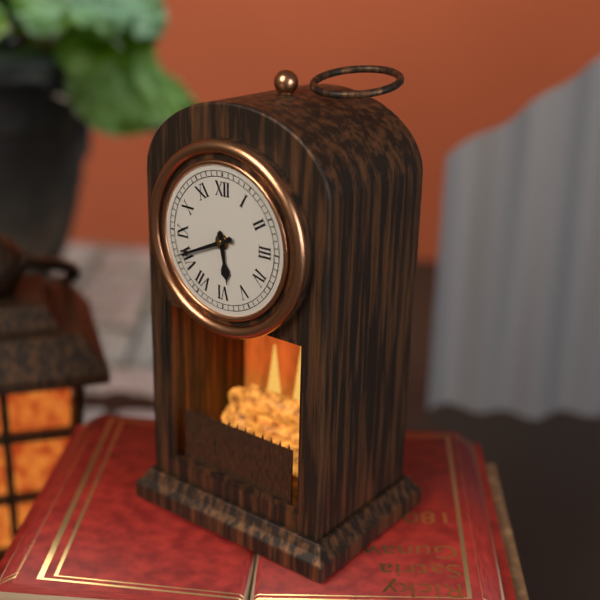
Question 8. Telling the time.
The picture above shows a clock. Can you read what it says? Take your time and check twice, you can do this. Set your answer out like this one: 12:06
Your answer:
5:41
